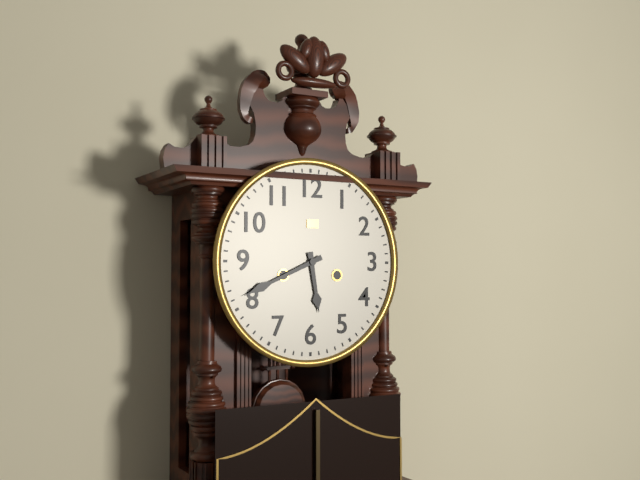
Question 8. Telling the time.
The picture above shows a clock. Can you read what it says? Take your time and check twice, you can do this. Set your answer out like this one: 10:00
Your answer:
5:41
